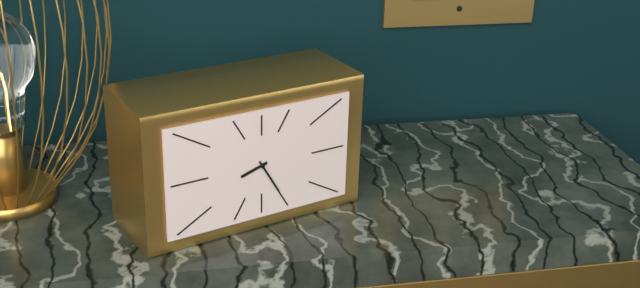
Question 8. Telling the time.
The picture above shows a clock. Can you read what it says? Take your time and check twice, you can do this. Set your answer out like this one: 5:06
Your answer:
8:25
